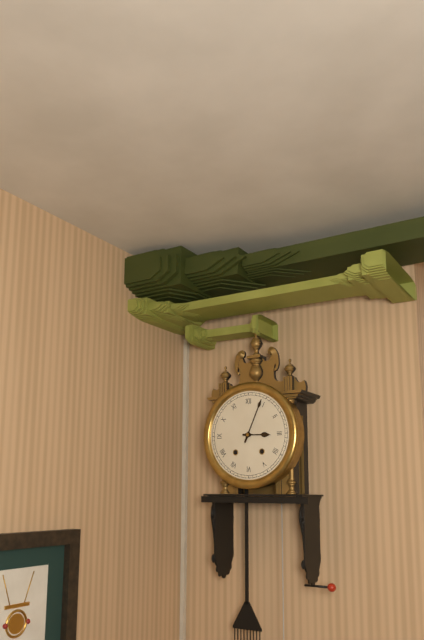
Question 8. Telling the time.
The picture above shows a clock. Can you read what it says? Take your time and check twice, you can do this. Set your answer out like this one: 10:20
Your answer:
3:04
